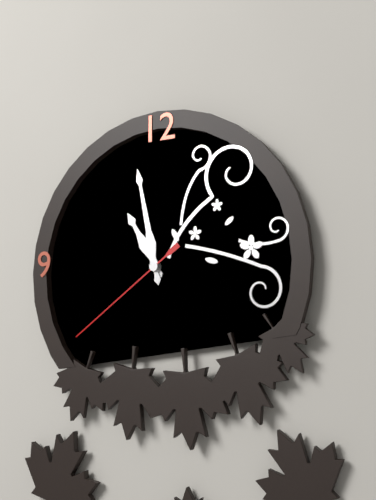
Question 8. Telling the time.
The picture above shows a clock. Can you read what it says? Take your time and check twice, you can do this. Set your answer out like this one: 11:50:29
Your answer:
10:58:39
